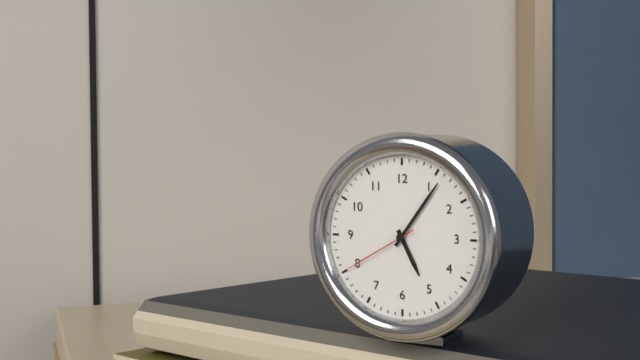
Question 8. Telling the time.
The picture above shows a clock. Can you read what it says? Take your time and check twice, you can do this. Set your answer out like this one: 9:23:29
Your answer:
5:06:40
